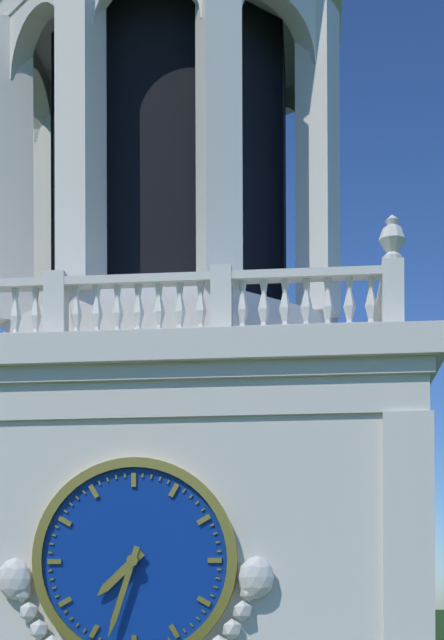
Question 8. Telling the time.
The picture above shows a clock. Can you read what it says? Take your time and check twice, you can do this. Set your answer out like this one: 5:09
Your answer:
7:33
